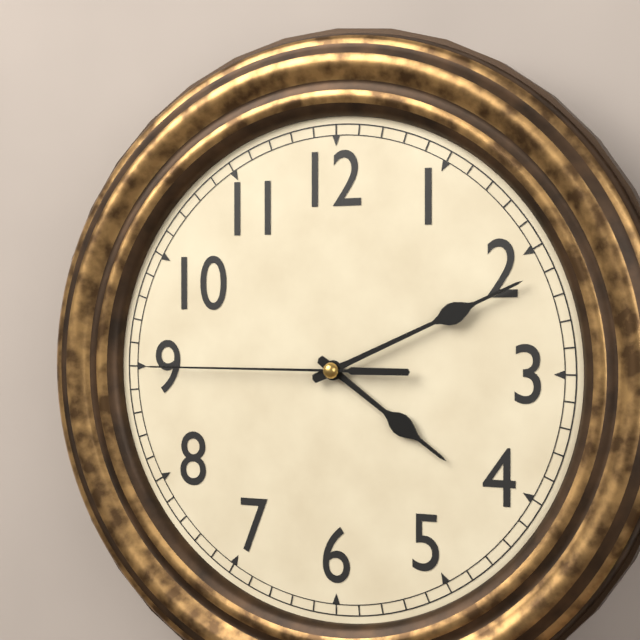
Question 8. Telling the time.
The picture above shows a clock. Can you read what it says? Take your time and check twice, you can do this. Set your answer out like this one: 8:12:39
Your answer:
4:11:45
